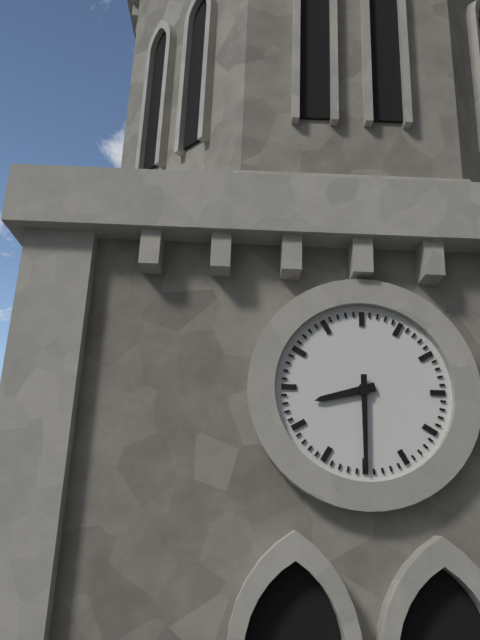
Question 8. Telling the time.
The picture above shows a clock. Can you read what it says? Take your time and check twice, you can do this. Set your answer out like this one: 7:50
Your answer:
8:30
